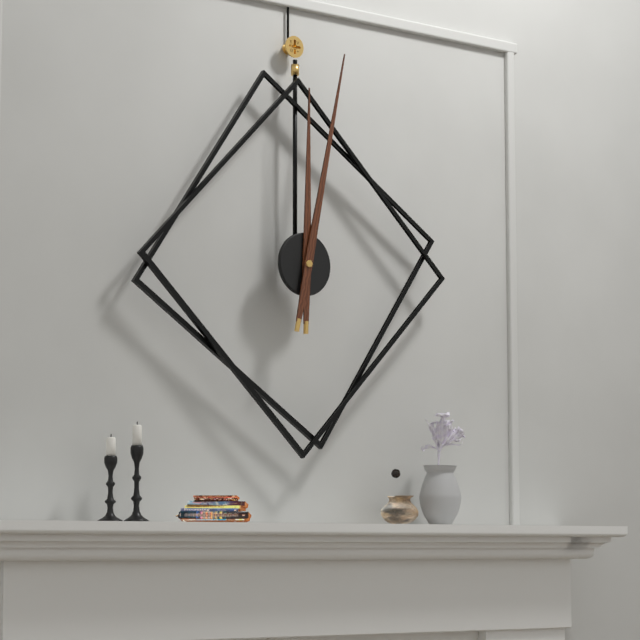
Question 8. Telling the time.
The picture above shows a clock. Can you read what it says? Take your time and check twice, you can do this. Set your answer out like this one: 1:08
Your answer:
12:02
